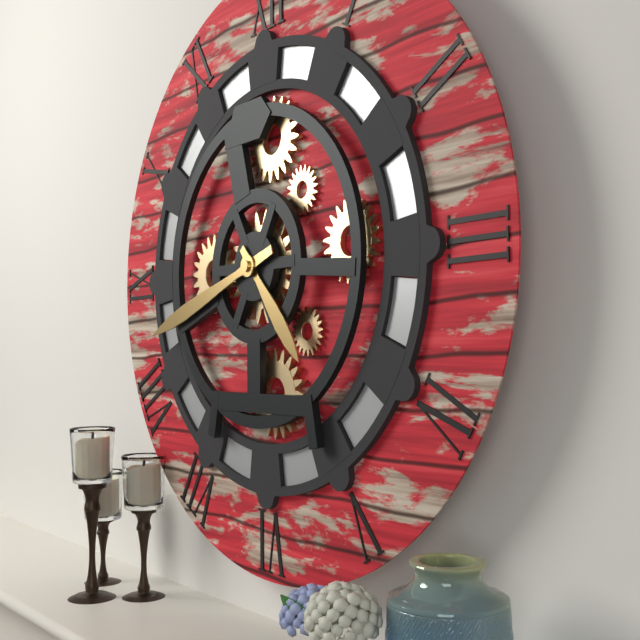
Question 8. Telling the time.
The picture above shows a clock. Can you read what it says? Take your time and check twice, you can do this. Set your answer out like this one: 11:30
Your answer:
4:42
